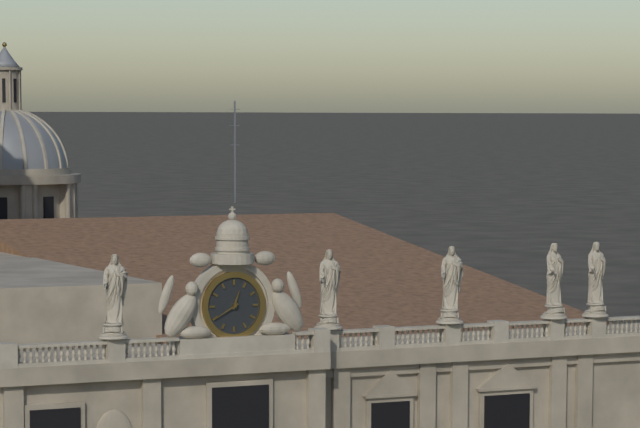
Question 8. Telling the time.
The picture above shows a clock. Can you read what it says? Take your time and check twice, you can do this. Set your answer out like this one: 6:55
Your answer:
12:40
